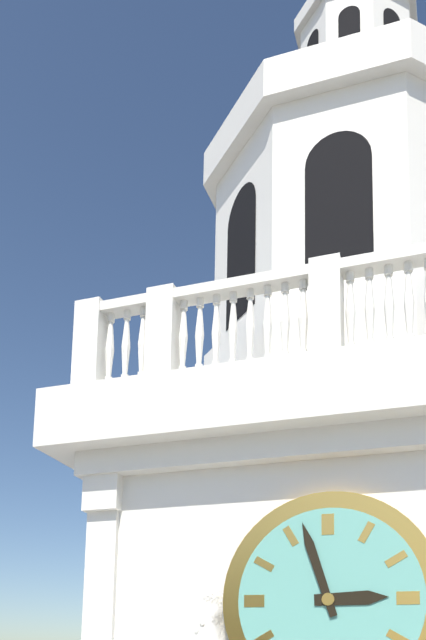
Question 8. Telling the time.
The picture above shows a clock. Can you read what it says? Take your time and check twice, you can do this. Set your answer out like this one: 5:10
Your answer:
2:57
